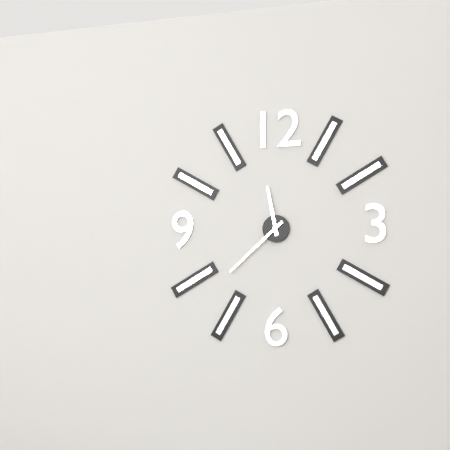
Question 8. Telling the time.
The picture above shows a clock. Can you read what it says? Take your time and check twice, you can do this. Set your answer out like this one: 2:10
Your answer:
11:38
